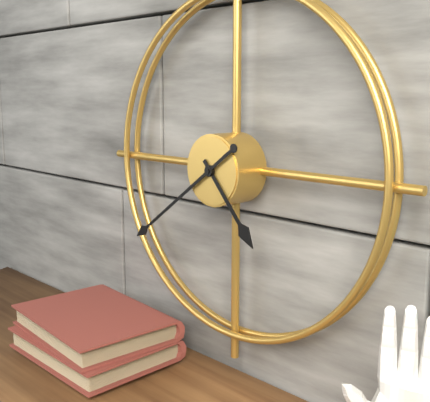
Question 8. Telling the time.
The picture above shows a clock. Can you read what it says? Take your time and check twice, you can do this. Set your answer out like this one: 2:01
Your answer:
4:39
